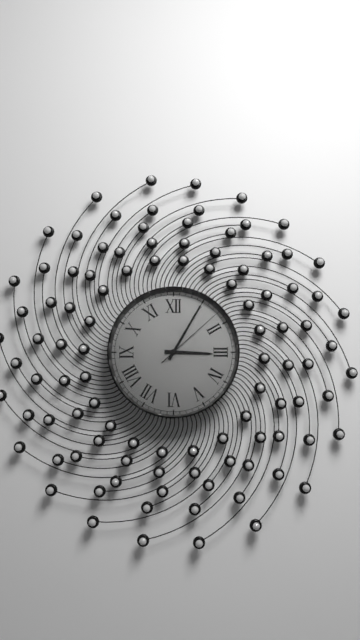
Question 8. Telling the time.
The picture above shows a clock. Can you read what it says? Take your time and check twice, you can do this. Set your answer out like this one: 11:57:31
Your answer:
3:05:08
